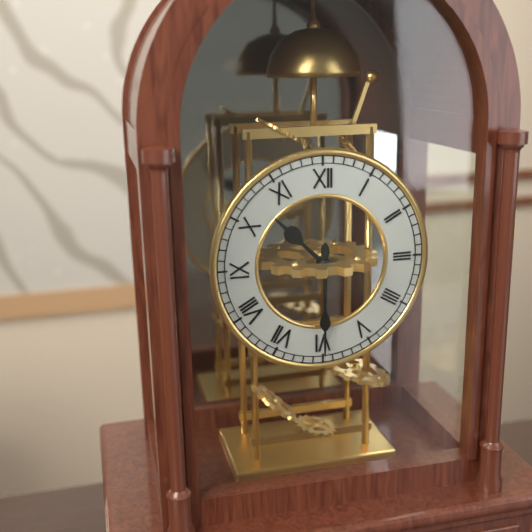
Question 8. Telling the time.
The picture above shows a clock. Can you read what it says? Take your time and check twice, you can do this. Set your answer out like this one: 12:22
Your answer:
10:30
